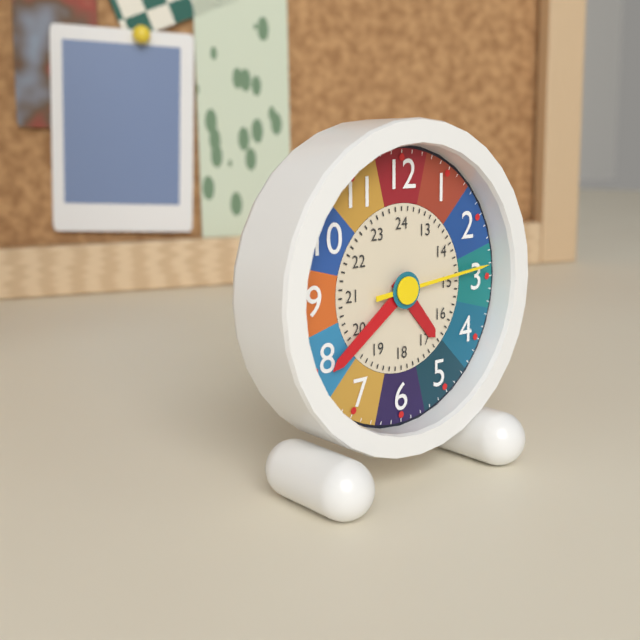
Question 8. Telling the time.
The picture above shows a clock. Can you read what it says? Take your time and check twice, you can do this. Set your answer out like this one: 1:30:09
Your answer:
4:39:14
